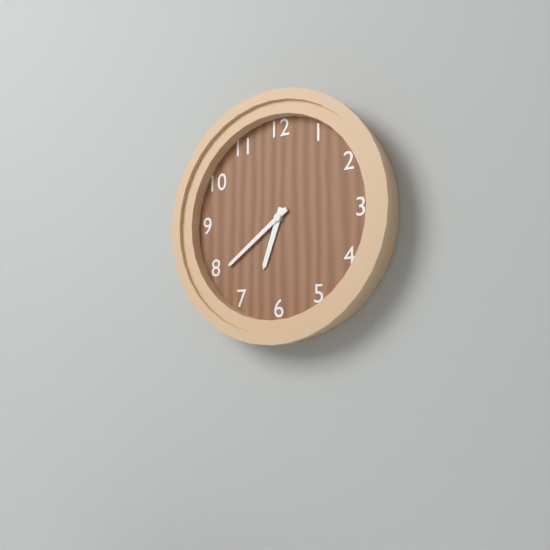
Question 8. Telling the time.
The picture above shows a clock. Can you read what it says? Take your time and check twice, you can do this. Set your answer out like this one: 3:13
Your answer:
6:39
